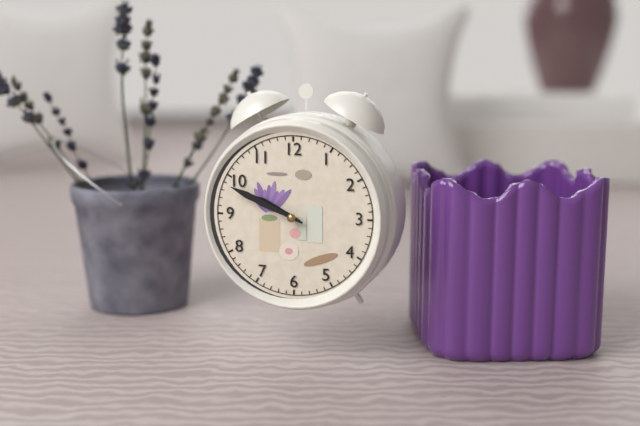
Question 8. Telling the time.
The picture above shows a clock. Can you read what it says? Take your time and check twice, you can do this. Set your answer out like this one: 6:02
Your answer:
9:49
